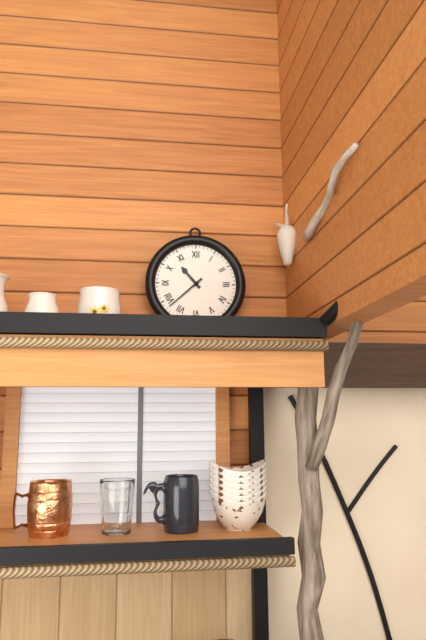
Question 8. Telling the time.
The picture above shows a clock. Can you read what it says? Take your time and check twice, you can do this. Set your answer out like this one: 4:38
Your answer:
10:38
